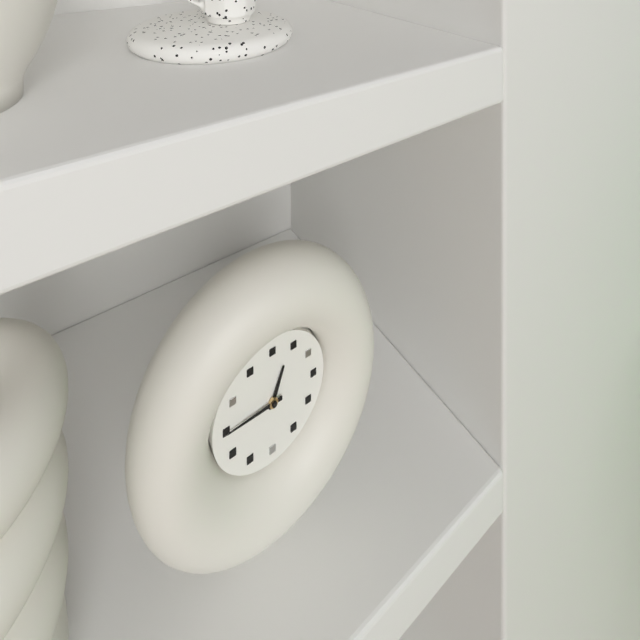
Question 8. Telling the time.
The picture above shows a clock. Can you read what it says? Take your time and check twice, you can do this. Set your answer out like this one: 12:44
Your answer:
12:45
